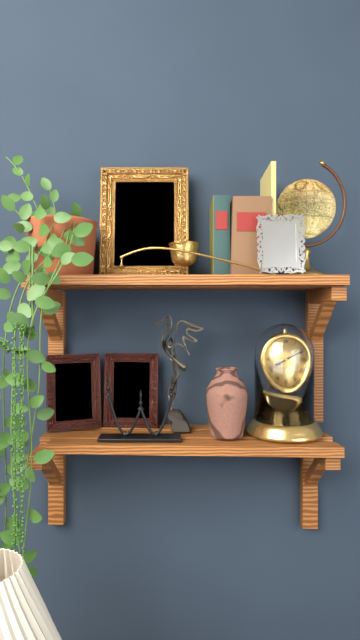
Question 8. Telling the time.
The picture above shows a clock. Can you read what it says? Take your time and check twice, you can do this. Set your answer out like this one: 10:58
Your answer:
8:11
